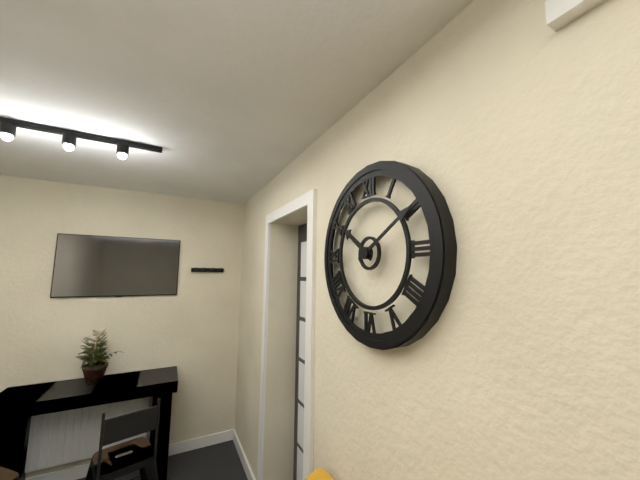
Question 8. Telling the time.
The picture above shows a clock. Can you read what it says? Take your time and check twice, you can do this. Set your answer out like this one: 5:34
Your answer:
10:10
